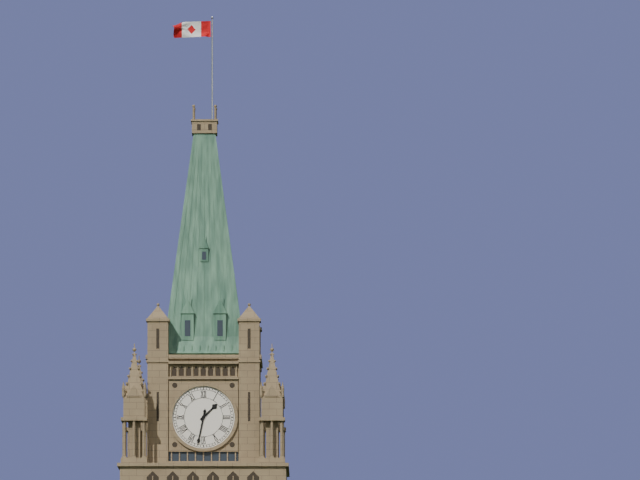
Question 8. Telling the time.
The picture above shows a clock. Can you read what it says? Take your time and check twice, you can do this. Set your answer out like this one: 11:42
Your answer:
1:32
